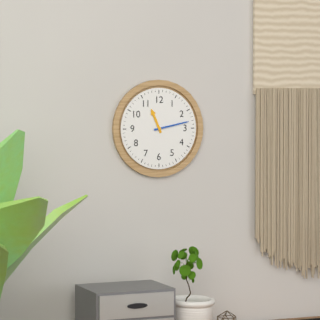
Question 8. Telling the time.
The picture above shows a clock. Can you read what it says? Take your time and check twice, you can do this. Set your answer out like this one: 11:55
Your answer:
11:13
